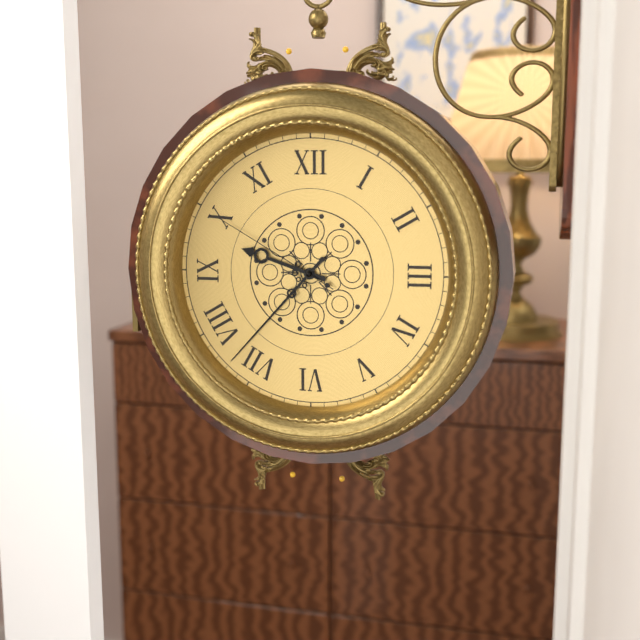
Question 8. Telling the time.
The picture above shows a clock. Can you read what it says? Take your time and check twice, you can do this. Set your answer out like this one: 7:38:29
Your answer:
9:37:50
